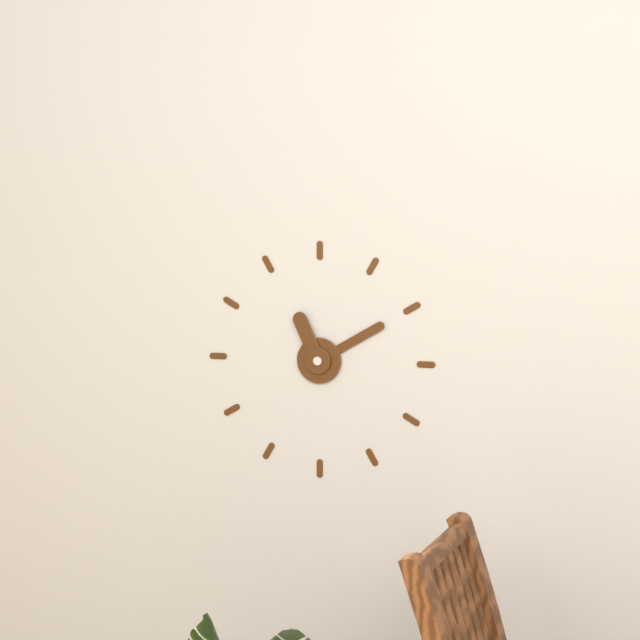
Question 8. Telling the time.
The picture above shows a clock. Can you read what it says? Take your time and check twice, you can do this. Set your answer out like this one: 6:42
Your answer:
11:10
